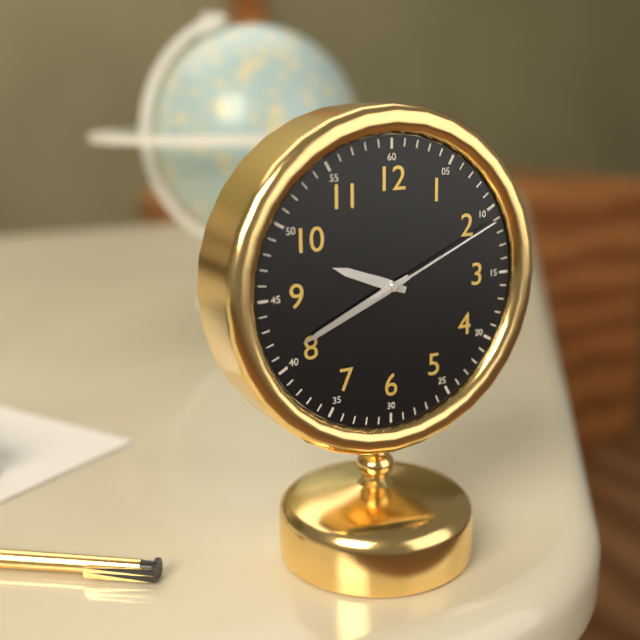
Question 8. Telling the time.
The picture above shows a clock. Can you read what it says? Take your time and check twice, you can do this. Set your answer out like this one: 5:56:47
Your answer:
9:41:11
